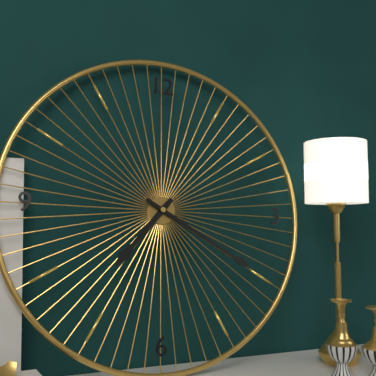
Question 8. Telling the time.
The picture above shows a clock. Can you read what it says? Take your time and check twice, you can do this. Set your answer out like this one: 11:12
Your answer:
7:20
